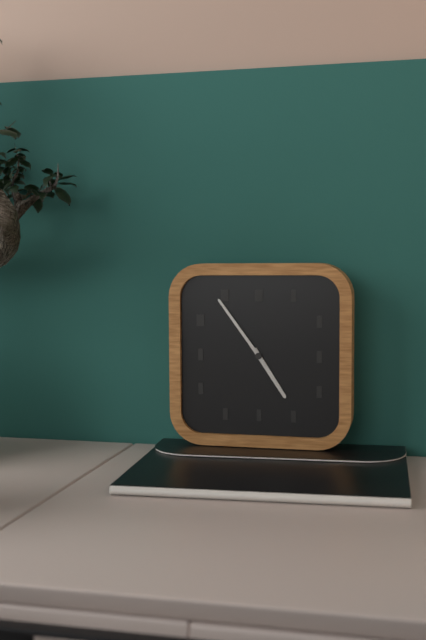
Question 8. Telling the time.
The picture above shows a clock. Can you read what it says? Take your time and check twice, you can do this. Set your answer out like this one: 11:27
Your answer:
4:54
